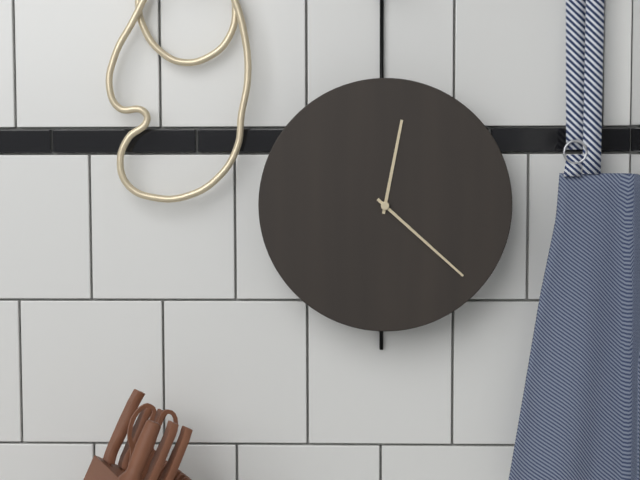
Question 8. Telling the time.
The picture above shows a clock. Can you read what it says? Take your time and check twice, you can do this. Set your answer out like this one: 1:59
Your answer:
12:22
